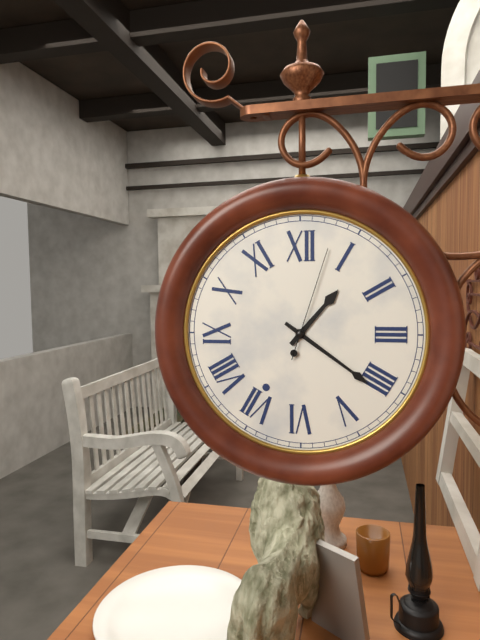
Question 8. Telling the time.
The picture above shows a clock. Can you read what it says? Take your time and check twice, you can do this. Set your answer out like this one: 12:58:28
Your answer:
1:21:03
